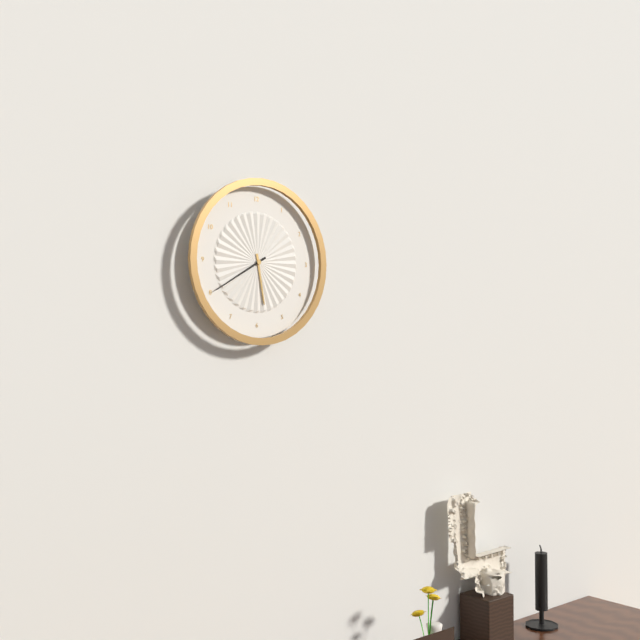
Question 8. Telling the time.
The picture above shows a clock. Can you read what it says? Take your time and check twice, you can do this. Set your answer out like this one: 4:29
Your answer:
5:40
